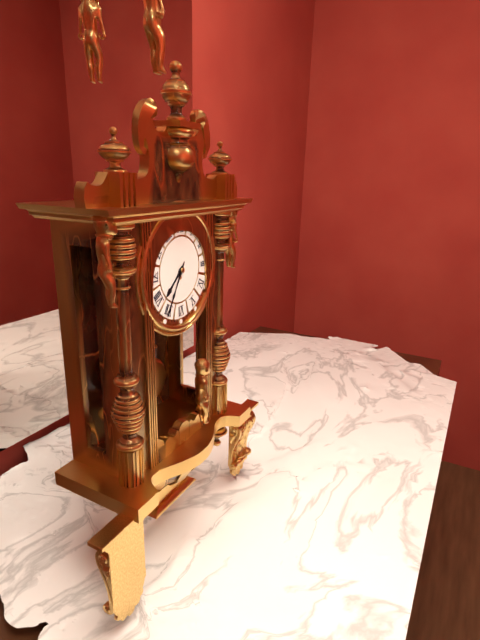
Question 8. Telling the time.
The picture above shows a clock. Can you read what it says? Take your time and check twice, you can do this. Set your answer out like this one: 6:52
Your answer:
7:35
